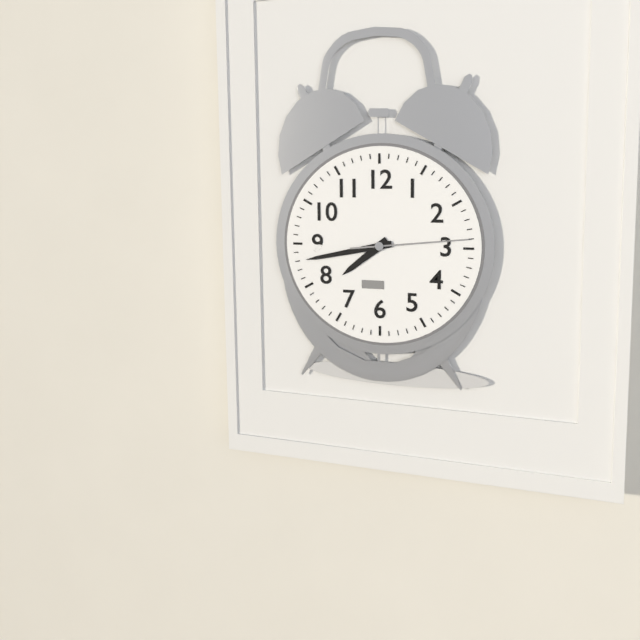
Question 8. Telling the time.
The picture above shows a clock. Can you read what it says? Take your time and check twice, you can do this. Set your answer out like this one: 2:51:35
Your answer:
7:43:14
